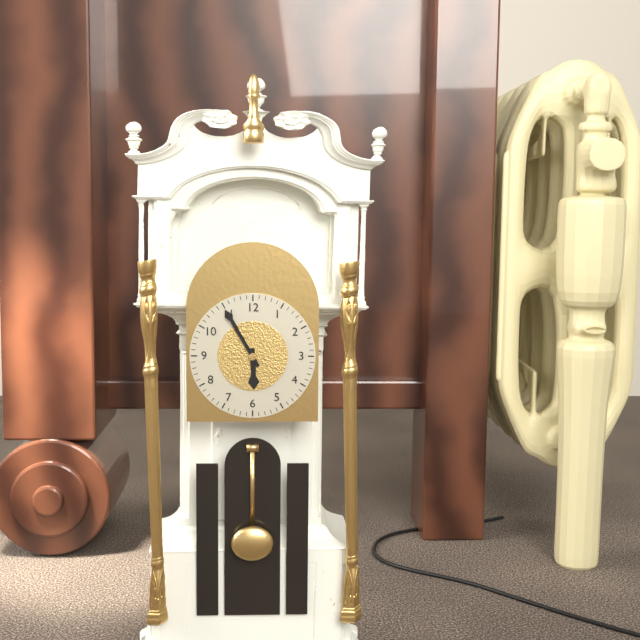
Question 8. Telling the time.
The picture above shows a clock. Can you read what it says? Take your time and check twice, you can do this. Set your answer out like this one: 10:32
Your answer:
5:55
